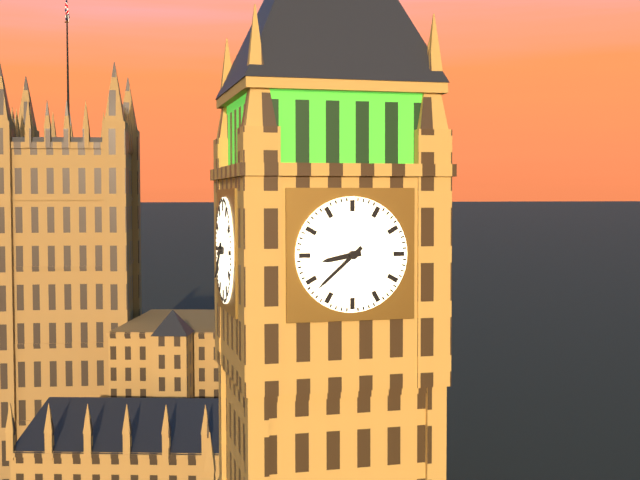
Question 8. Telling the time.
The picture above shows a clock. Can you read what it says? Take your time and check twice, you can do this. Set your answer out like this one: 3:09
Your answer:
8:38
